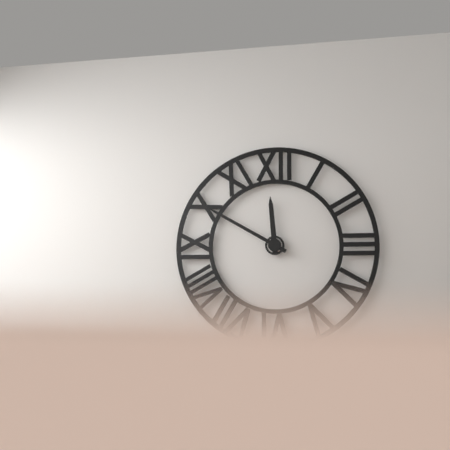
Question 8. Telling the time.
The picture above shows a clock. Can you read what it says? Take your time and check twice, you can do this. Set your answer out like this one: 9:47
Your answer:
11:50
